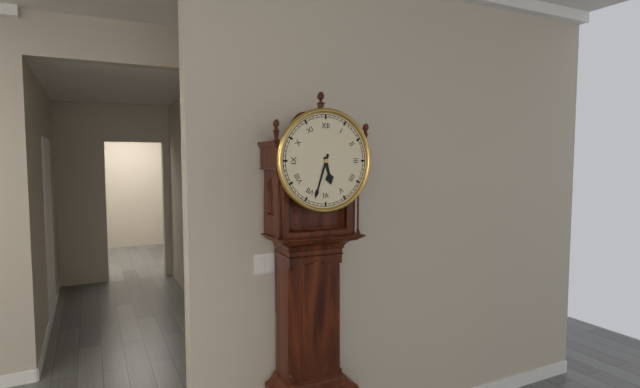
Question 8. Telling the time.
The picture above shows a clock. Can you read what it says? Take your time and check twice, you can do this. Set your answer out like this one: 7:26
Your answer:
5:33
